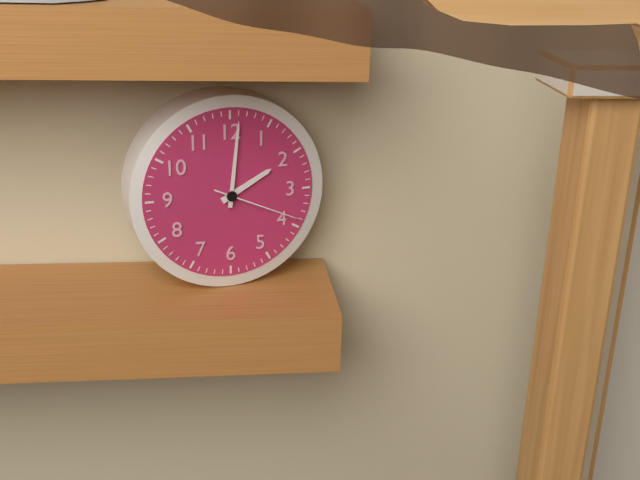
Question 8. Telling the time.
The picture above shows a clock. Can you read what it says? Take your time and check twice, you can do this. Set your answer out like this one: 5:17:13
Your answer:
2:01:19
